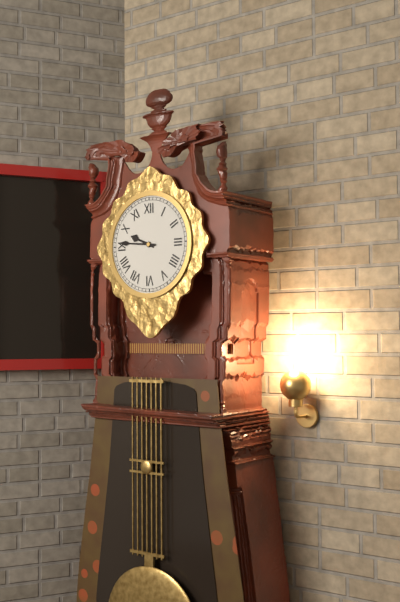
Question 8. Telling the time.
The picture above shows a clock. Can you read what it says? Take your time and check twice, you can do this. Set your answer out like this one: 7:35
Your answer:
9:46
